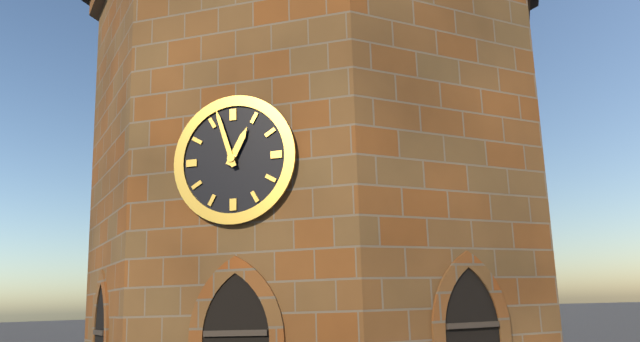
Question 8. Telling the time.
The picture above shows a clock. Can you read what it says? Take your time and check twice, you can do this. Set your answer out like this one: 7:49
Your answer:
12:57
